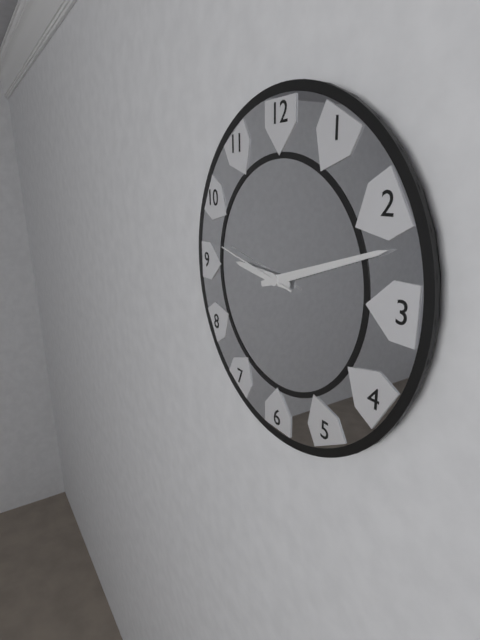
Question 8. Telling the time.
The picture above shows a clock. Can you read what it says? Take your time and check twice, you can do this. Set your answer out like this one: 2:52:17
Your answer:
9:12:47
